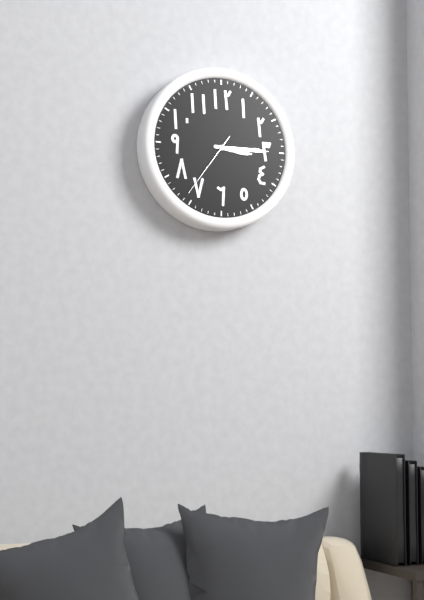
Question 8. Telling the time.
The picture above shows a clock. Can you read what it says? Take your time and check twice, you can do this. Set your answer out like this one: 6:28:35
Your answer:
3:15:36
